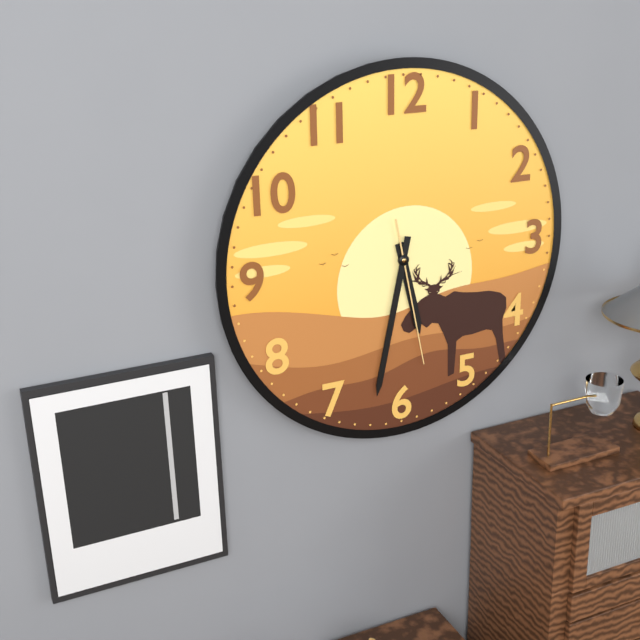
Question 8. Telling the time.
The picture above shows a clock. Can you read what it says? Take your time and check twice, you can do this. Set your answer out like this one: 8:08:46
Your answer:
5:32:28
